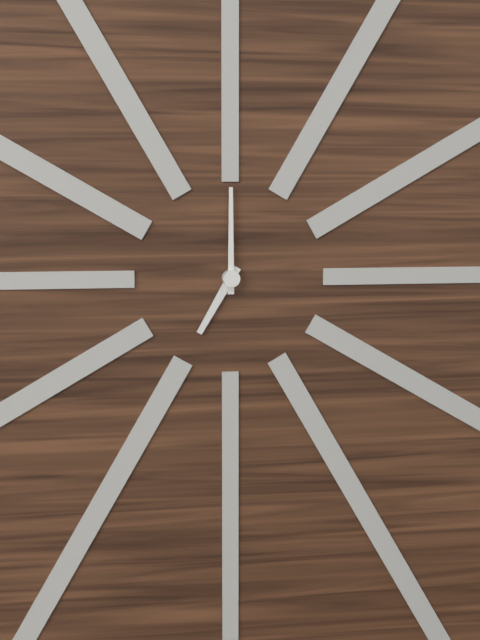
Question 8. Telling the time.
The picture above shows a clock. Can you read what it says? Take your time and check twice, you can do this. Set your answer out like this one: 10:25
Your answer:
7:00
